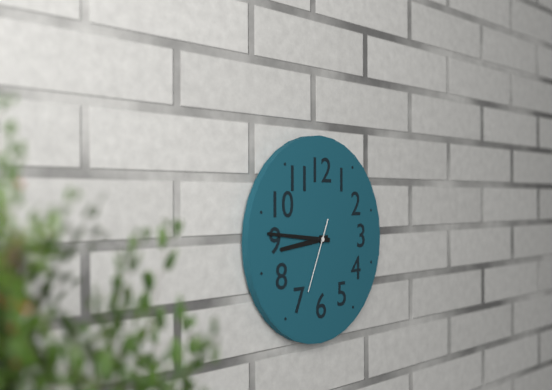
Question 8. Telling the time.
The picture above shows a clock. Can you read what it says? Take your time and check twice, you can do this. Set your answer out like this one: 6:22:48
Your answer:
8:46:34
